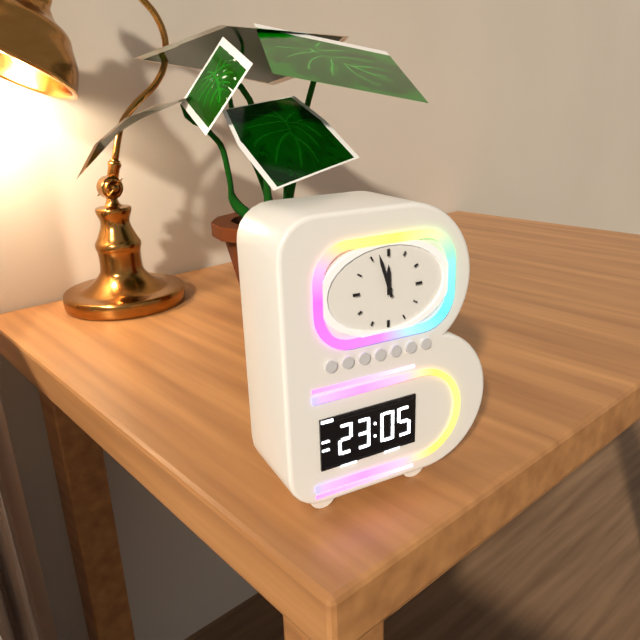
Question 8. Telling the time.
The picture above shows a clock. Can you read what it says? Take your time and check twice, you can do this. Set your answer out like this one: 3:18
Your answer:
11:57
